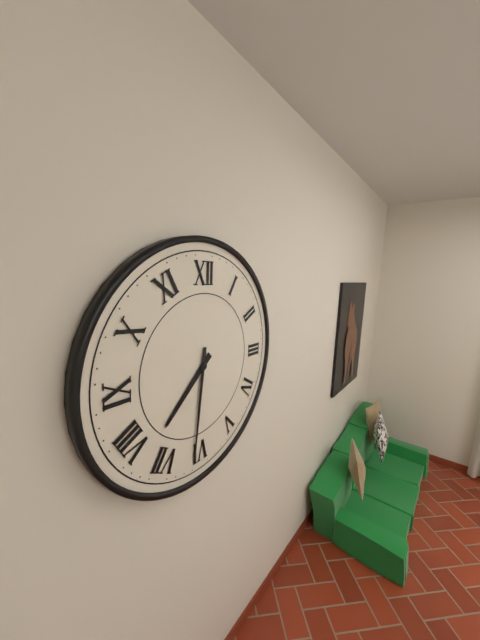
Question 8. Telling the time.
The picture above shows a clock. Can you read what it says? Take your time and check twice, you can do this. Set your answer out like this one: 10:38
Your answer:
7:31
